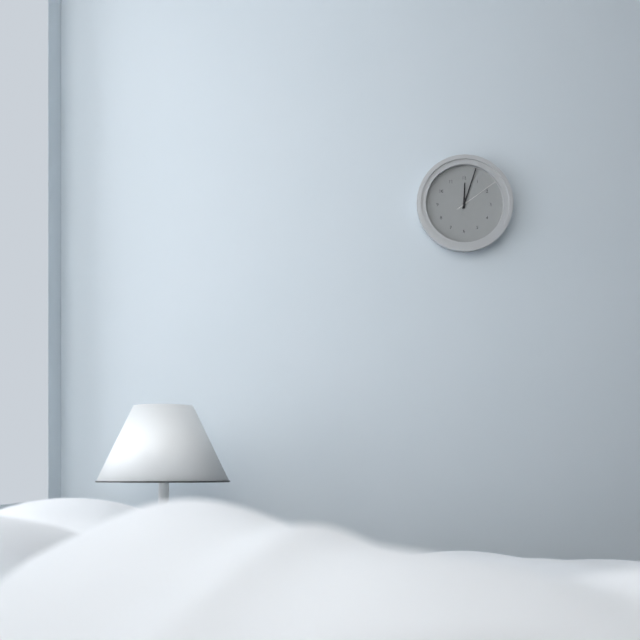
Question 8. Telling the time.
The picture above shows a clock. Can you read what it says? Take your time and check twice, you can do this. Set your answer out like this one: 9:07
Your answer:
12:03
